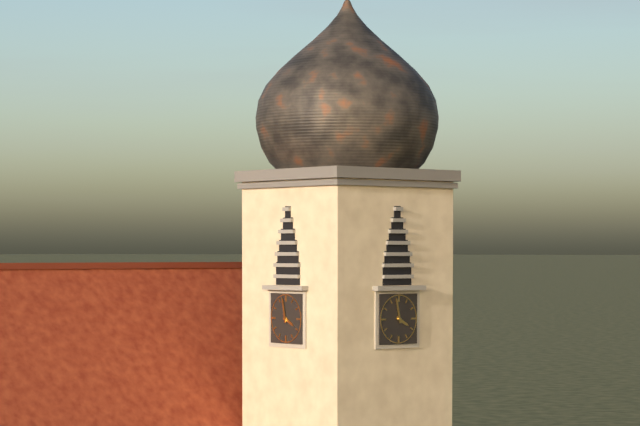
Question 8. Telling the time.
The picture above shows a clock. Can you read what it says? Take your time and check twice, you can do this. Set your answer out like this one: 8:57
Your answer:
3:58
